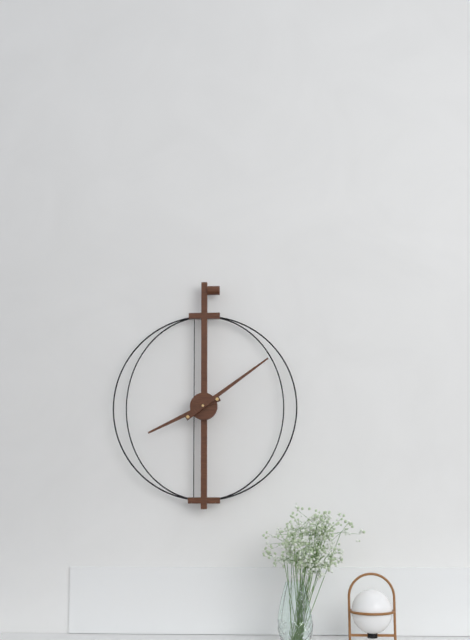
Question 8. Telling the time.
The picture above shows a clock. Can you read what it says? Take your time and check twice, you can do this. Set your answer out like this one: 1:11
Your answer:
8:09
